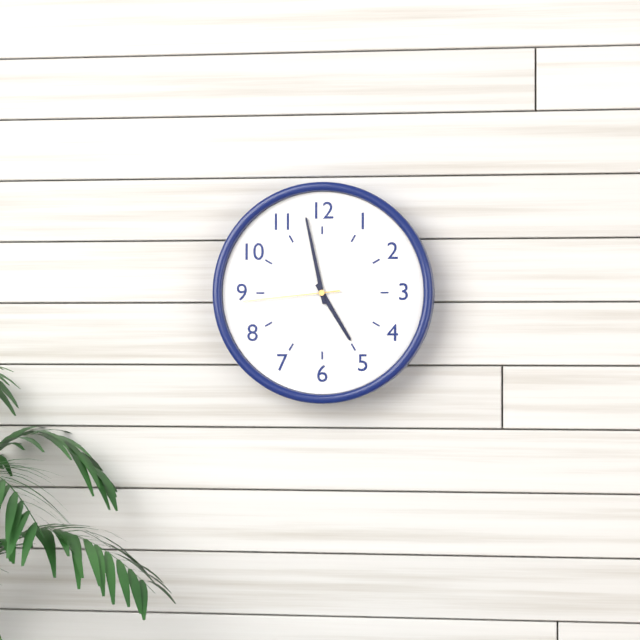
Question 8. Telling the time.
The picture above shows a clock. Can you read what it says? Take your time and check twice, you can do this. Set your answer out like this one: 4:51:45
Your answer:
4:58:44
